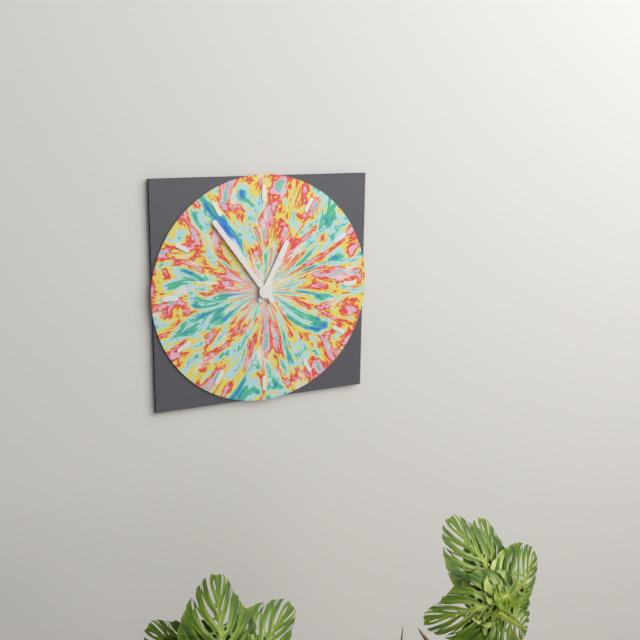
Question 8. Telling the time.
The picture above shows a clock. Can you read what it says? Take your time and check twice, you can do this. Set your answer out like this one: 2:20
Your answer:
12:54
